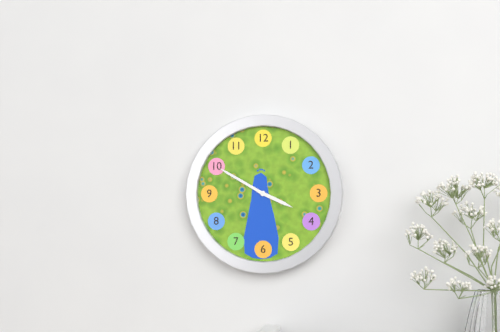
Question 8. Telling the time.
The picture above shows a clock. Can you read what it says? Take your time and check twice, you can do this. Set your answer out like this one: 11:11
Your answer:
3:50
